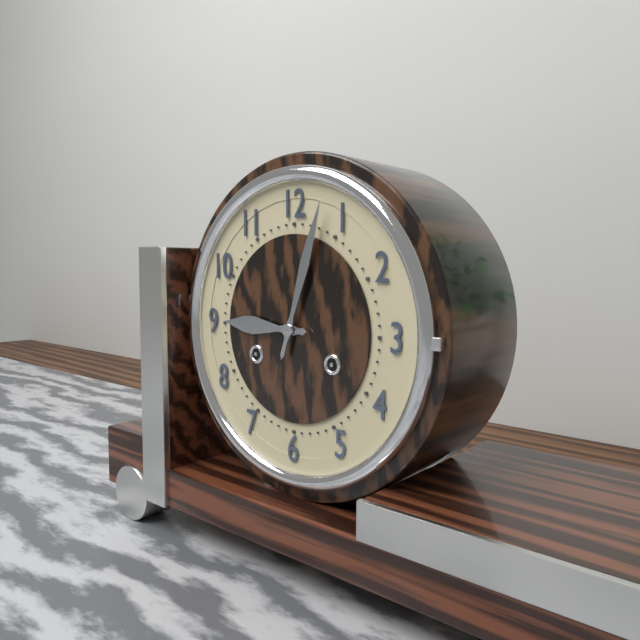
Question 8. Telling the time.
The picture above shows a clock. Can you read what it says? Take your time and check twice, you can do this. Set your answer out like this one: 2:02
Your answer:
9:03
